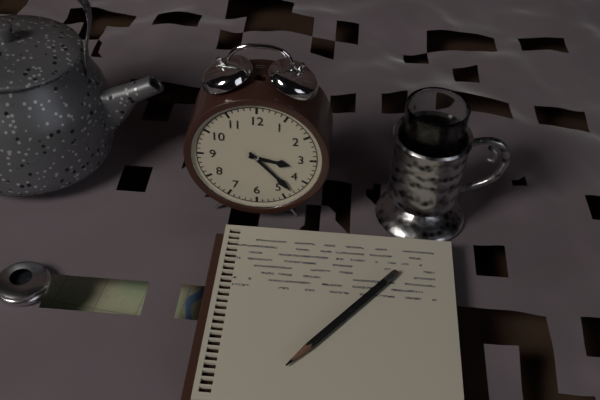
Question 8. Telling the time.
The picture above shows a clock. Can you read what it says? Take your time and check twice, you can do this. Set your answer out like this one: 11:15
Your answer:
3:23
